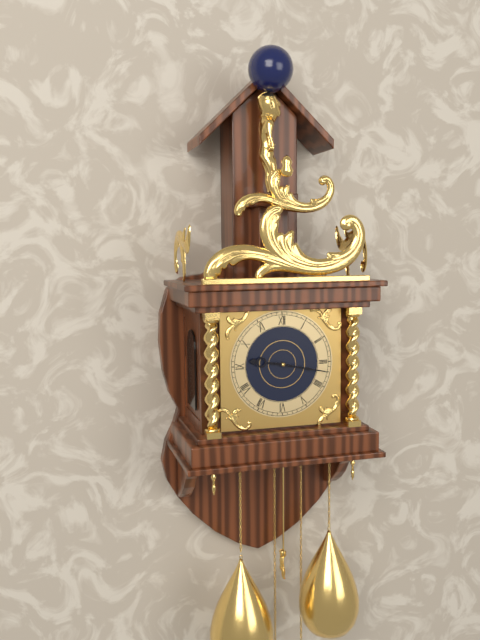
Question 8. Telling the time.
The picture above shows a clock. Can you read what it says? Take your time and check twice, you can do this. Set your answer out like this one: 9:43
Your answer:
9:17
